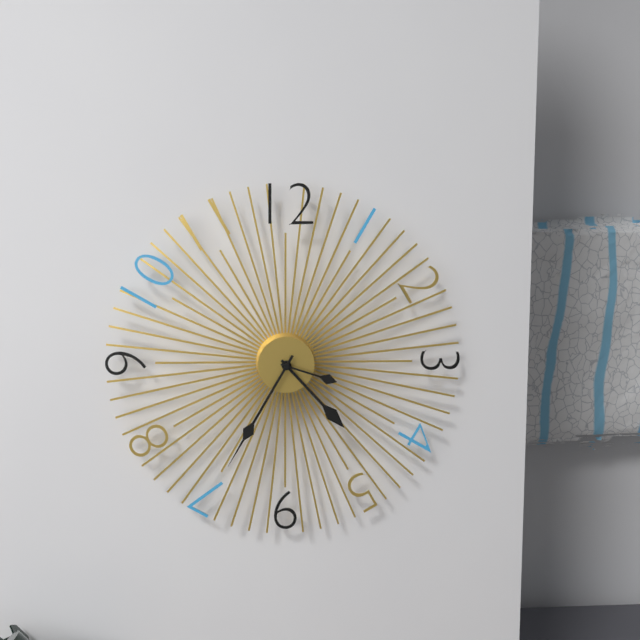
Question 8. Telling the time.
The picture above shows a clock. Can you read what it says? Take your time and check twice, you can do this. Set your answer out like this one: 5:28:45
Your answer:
4:35:18
